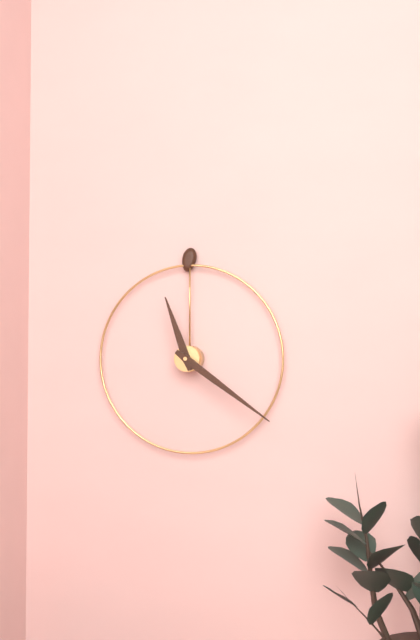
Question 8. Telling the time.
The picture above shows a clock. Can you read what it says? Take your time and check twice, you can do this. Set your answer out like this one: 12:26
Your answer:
11:21
